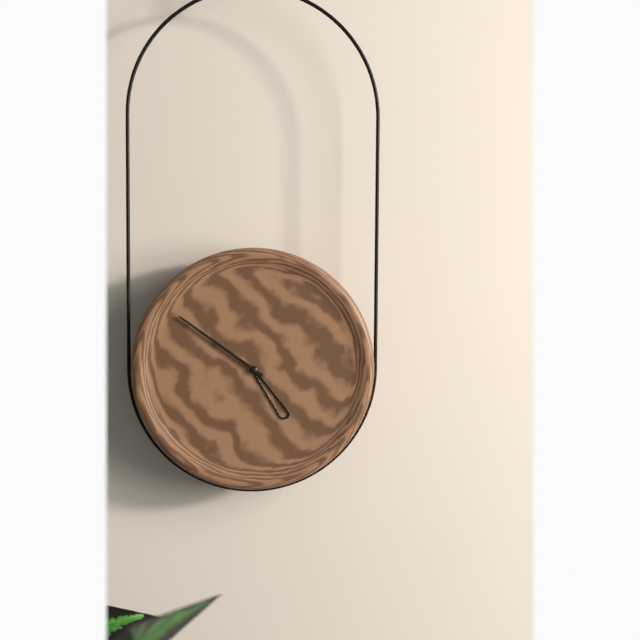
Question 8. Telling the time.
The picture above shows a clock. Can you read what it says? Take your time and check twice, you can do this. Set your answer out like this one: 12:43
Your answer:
4:51
